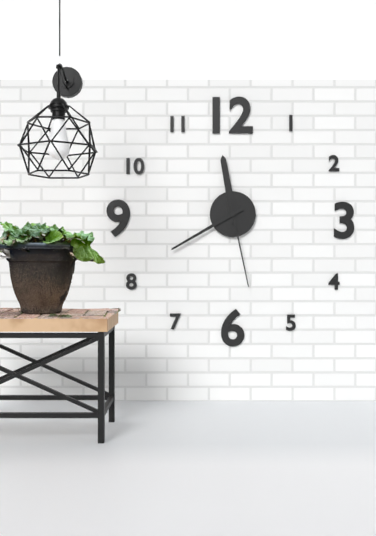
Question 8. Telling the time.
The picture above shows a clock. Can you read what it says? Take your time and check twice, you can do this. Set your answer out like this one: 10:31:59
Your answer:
11:40:28
